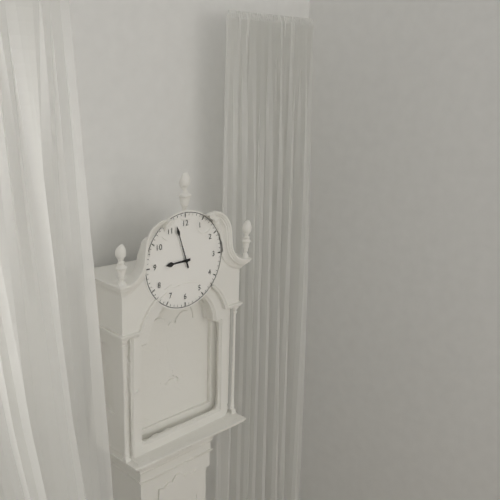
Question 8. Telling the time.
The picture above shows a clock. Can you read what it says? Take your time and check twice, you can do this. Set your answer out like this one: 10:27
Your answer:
8:57
